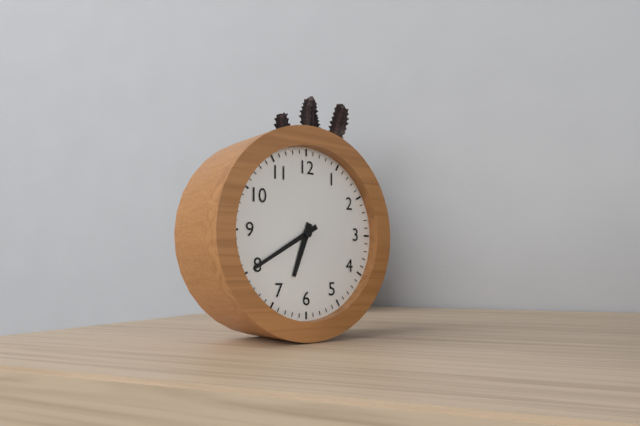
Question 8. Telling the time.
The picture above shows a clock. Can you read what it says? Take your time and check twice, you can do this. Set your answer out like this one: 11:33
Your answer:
6:40
